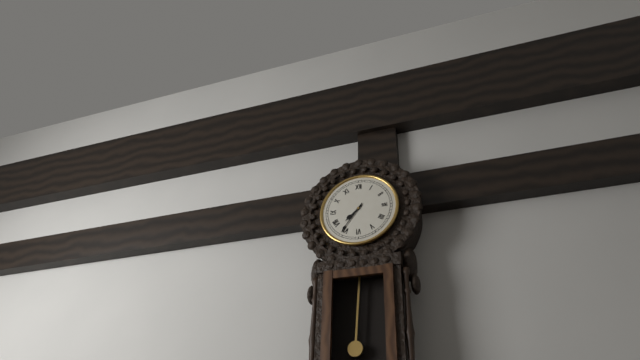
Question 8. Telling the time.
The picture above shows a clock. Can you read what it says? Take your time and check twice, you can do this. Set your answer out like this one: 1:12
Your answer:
7:36
